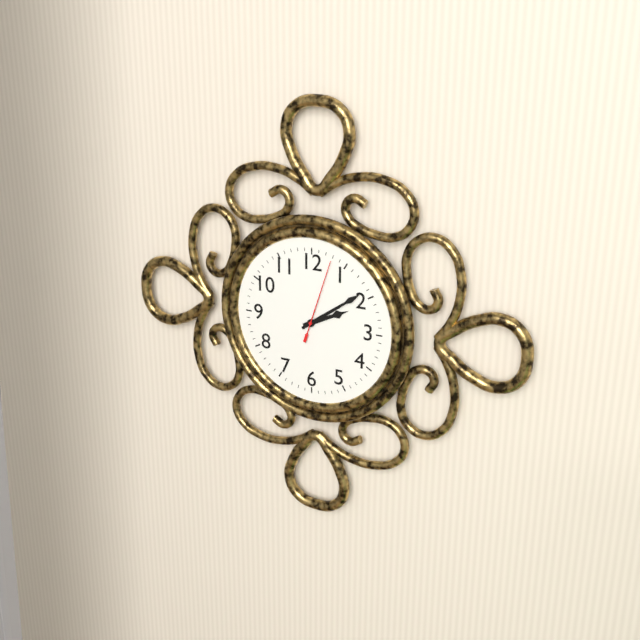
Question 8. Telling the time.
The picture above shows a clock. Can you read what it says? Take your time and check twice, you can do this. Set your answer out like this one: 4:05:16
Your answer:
2:09:03
